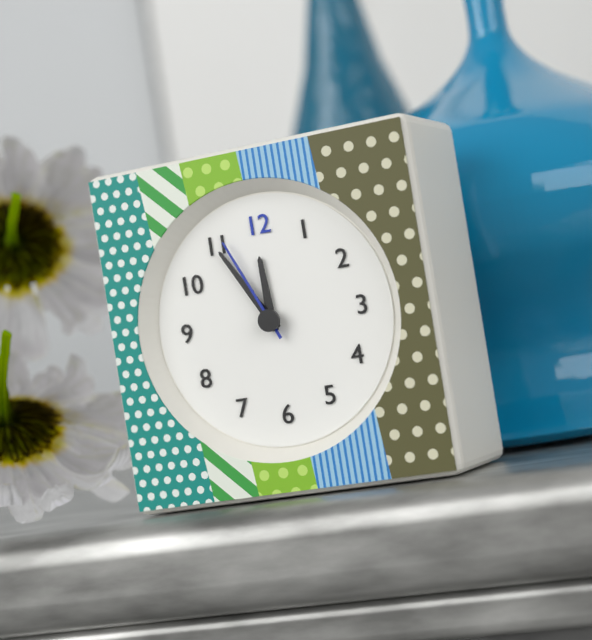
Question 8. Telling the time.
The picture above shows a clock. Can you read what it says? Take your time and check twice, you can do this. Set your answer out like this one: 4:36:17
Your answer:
11:55:56
